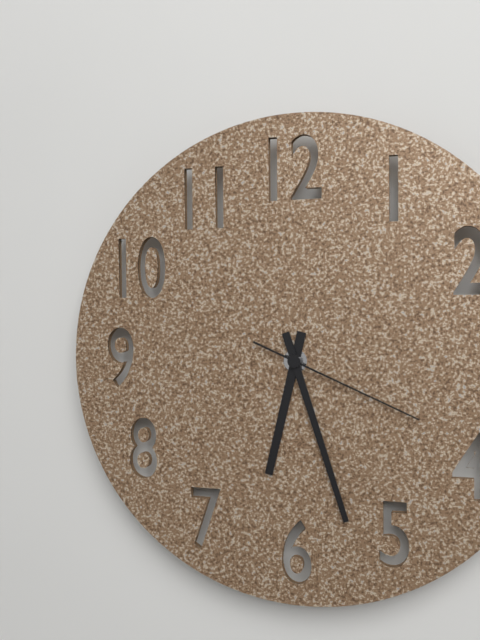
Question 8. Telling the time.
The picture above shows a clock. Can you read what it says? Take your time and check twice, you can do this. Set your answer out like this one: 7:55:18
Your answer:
6:27:19
